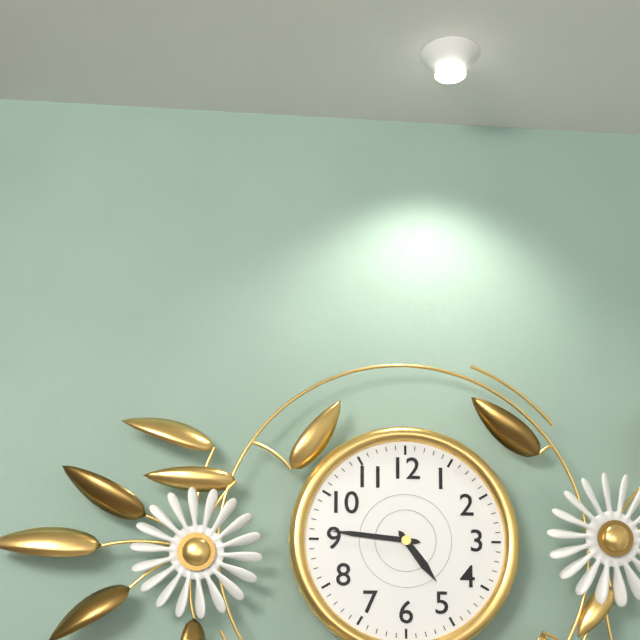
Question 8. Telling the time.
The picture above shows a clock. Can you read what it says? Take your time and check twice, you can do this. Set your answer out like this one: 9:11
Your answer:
4:46
